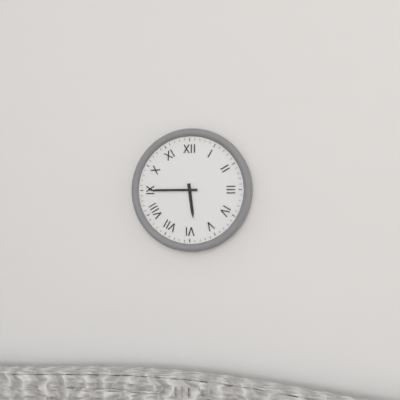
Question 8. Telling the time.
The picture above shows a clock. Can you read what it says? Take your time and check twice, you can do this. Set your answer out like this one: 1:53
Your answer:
5:45
